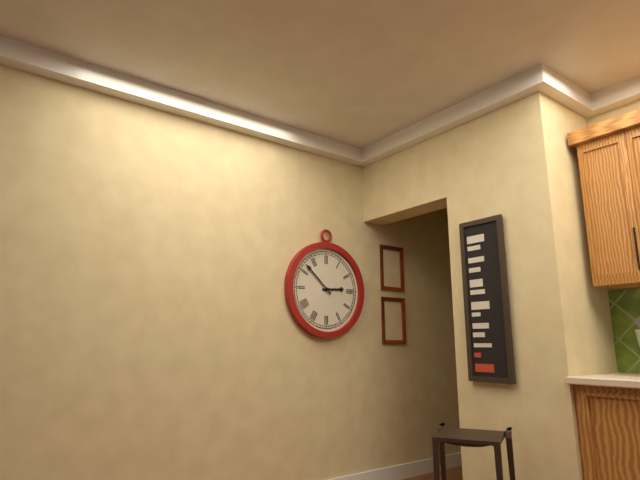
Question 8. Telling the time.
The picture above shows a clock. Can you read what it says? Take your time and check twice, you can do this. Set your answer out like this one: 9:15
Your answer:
2:52
